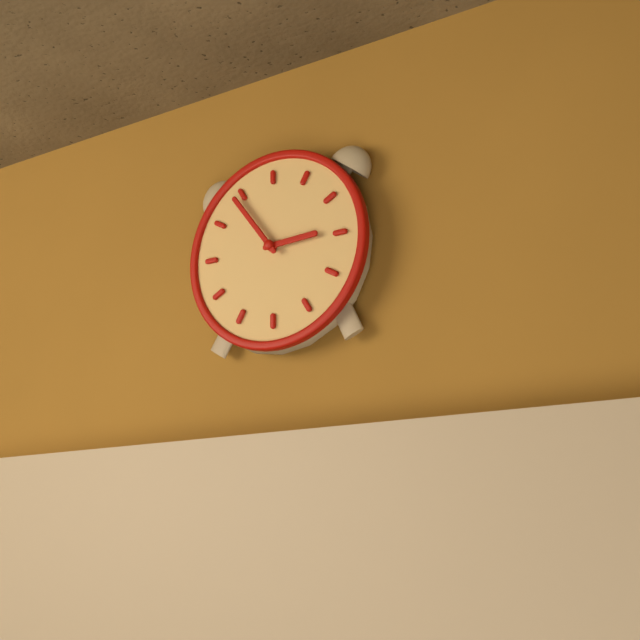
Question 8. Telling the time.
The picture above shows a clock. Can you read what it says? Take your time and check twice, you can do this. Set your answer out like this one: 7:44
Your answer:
2:54
